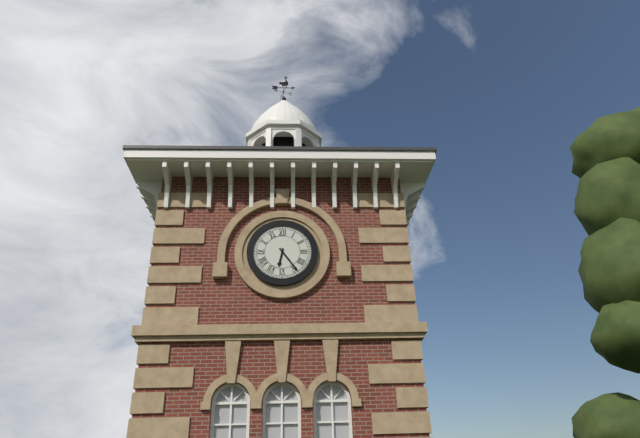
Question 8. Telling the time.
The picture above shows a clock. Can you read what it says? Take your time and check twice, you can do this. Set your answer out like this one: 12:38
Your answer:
6:24
